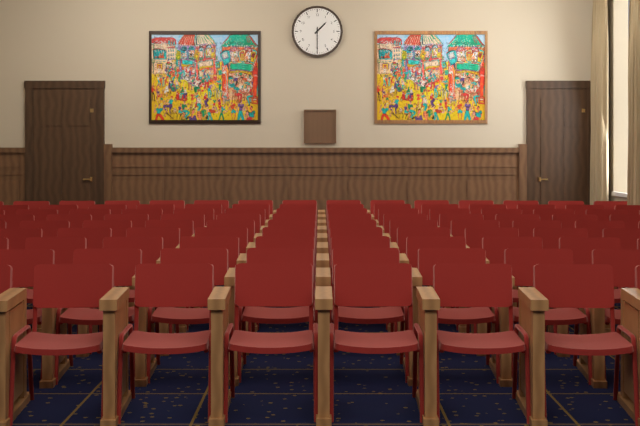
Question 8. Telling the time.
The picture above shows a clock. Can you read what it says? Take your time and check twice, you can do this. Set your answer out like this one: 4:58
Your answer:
1:30
